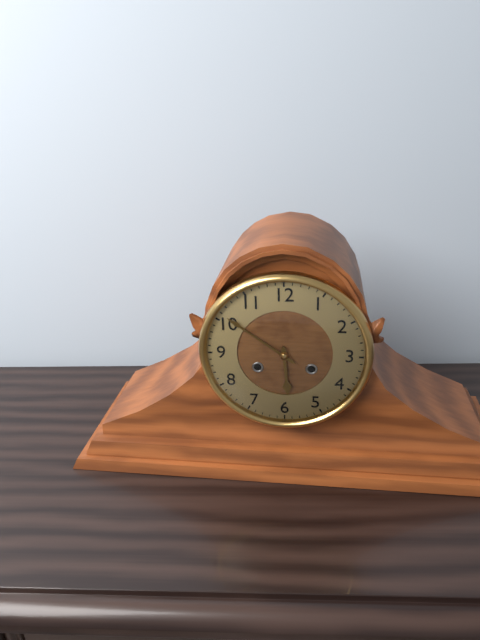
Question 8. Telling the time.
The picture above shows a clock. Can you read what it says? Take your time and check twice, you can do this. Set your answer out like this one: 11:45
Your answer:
5:51
